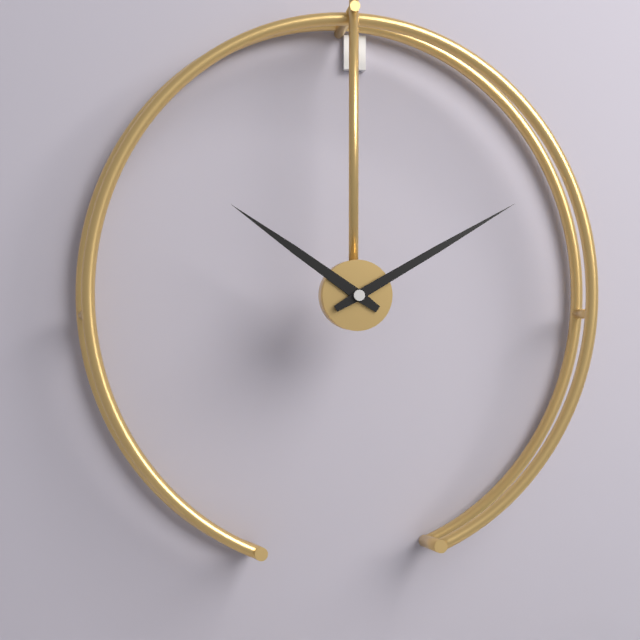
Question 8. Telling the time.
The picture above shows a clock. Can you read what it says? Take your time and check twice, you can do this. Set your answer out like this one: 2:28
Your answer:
10:10
